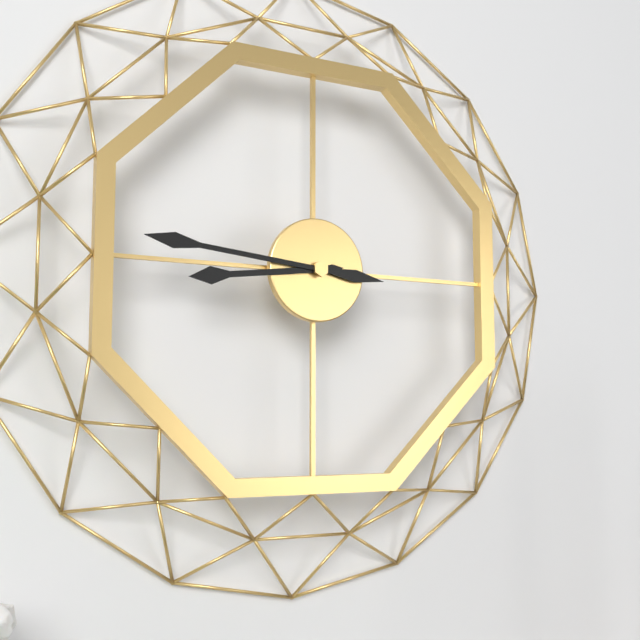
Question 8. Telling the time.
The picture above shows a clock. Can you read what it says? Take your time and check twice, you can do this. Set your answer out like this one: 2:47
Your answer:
8:46
